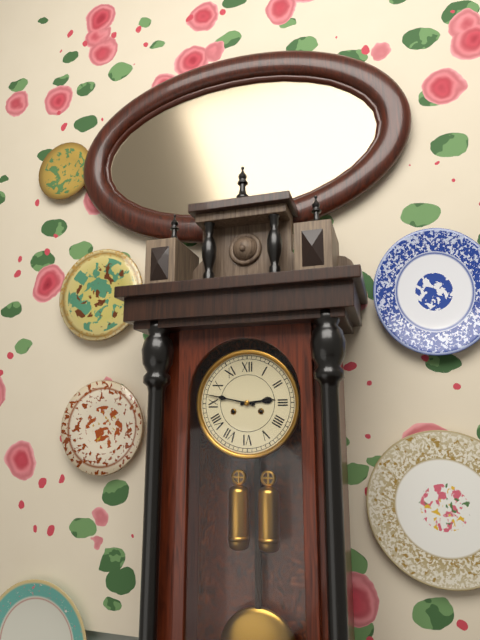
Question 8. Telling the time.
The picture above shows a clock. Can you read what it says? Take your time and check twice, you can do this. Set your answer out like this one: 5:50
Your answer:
2:47
